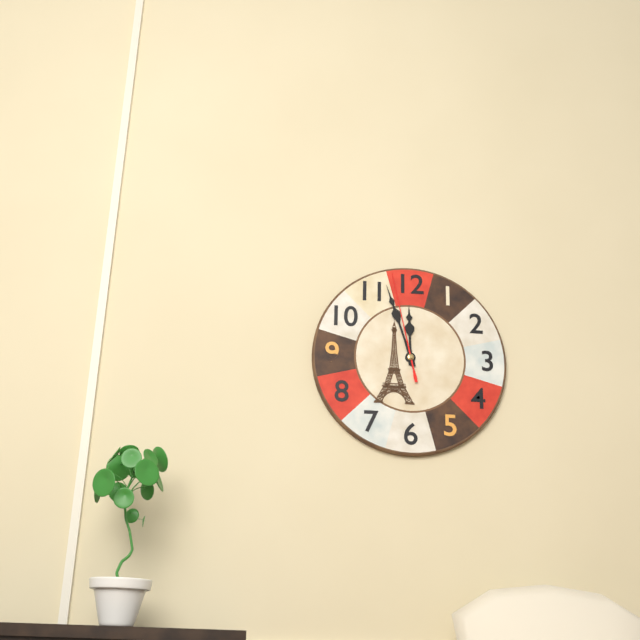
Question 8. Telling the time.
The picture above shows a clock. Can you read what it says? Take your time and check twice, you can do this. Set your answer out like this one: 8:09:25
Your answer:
11:57:58
